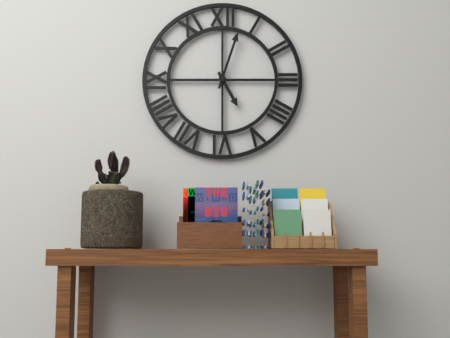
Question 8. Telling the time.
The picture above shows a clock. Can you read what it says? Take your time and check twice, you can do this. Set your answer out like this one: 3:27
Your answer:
5:03
